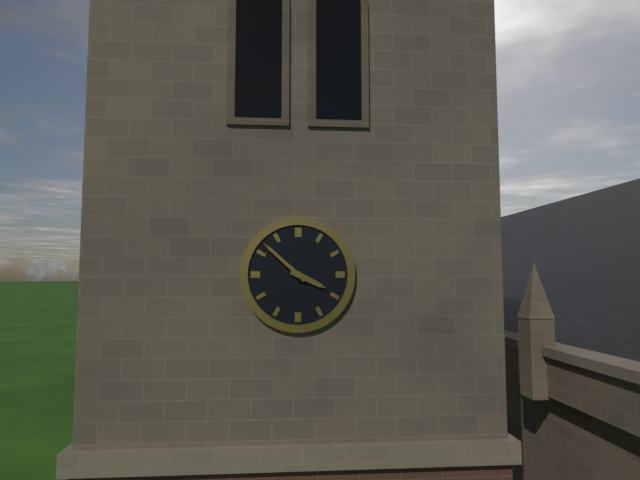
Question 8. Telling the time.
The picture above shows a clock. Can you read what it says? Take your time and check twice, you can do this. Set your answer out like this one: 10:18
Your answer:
3:52
